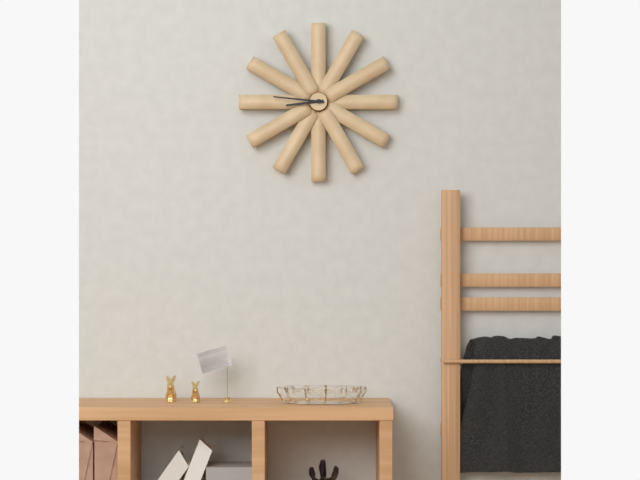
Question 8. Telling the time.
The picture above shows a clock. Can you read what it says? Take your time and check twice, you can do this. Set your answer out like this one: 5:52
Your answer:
8:46
